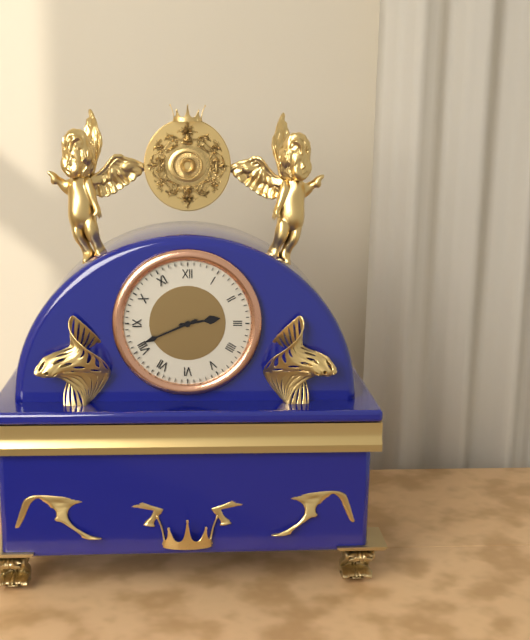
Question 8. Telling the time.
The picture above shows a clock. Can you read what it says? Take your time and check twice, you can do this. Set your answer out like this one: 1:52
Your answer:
2:41
